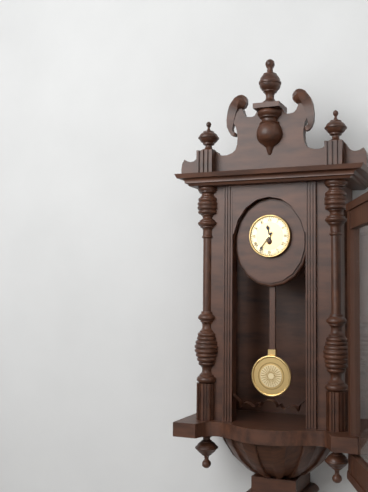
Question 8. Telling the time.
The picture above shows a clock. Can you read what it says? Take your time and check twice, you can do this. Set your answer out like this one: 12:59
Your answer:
11:36
